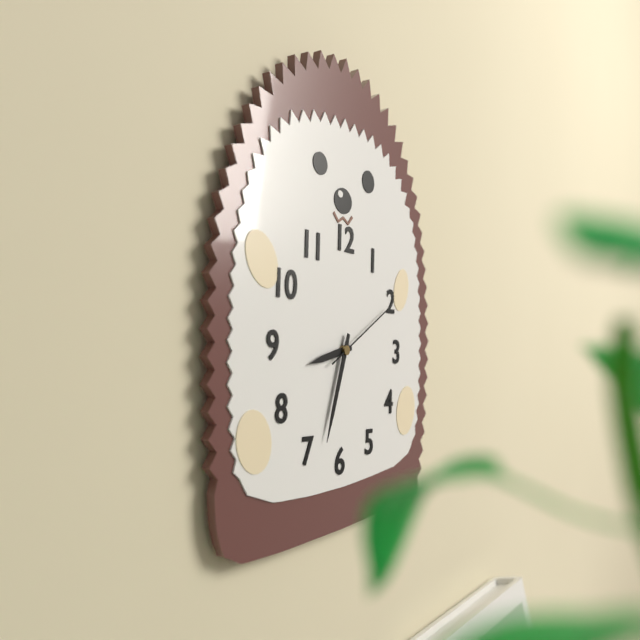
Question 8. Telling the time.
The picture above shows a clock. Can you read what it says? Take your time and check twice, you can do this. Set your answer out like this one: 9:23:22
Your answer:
8:33:10
